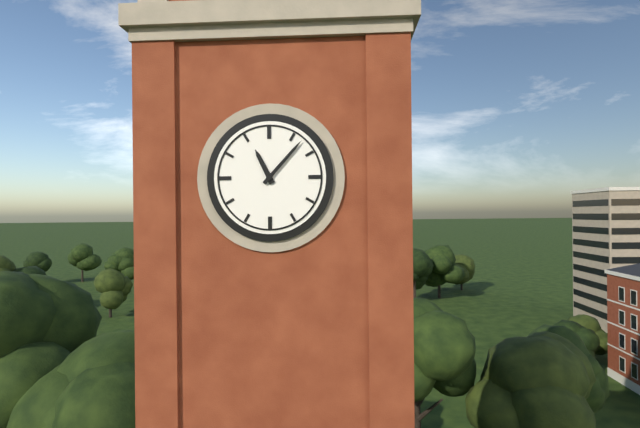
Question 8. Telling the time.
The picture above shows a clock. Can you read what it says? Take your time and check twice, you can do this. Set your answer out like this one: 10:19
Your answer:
11:07
